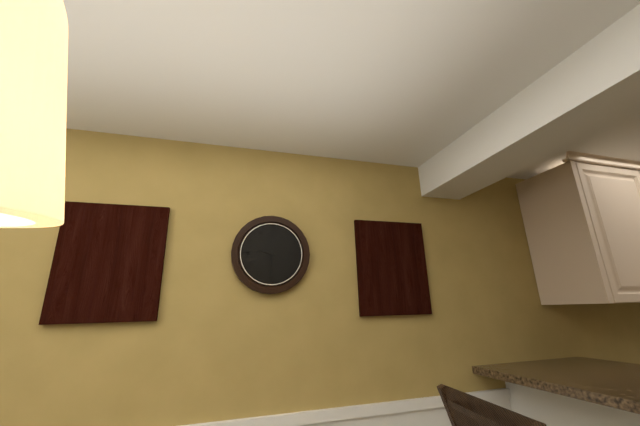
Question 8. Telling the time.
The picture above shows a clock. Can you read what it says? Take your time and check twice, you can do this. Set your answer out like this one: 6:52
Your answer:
9:30
